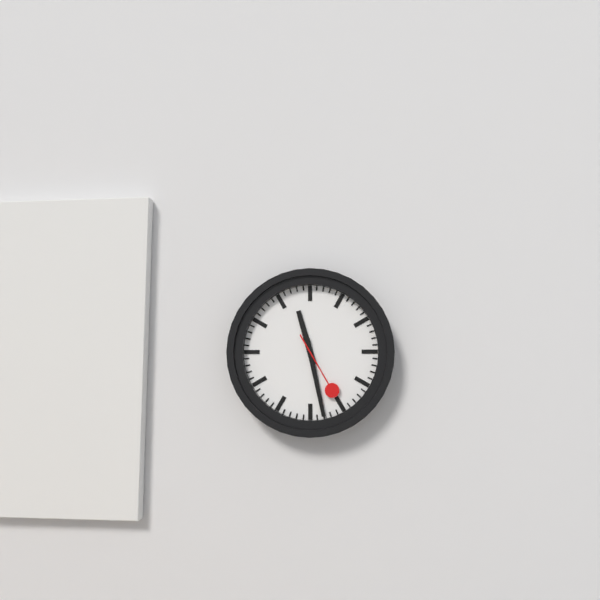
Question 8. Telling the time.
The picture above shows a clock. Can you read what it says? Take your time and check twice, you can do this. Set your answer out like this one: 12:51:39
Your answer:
11:28:25
